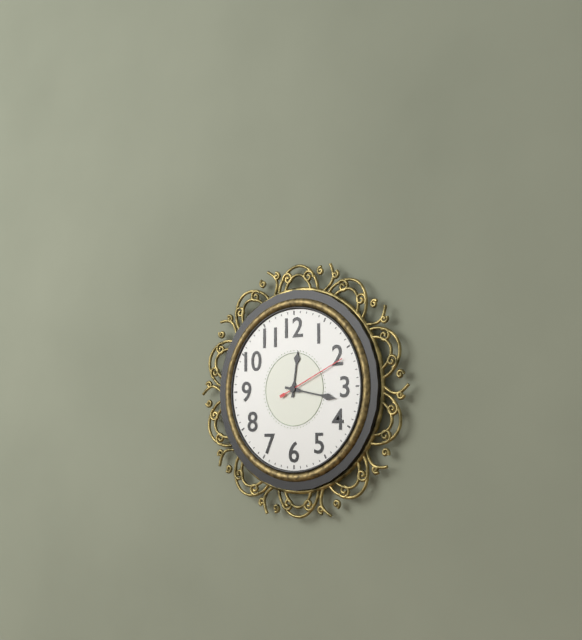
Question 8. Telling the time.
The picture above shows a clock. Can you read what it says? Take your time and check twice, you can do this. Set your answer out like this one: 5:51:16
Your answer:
12:17:11
